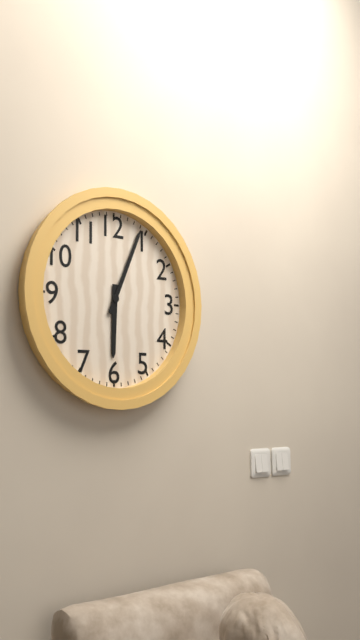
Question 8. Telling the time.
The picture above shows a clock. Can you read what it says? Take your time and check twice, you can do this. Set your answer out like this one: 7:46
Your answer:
6:04
